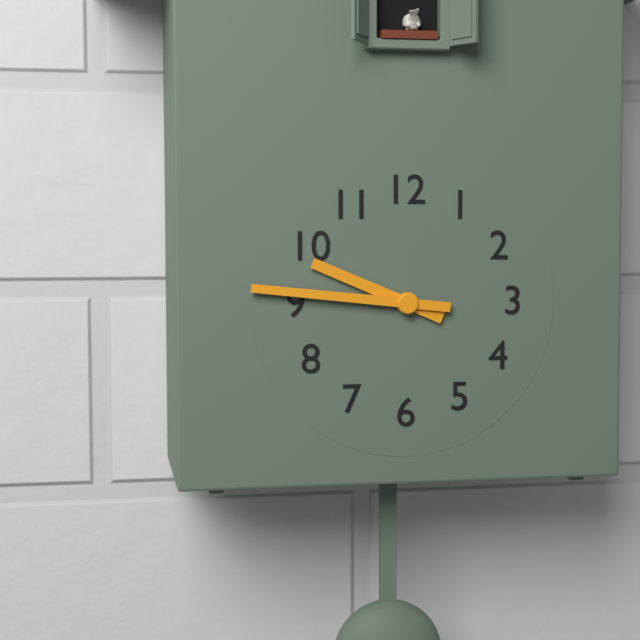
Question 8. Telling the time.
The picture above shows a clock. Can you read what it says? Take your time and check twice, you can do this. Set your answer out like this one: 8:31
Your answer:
9:46
